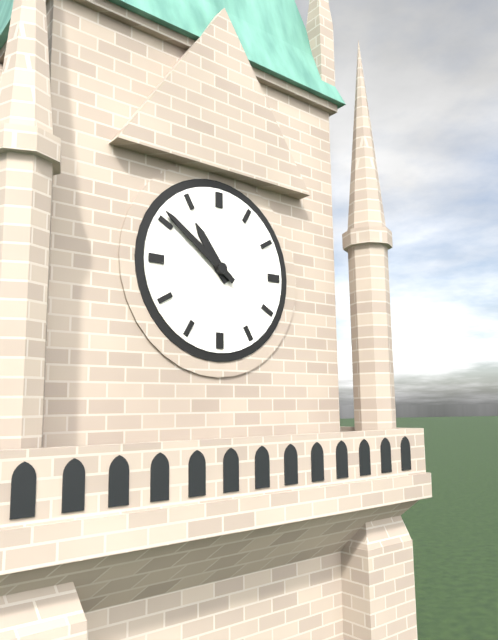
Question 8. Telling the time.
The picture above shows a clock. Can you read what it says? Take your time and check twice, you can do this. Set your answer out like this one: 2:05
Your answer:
10:51
